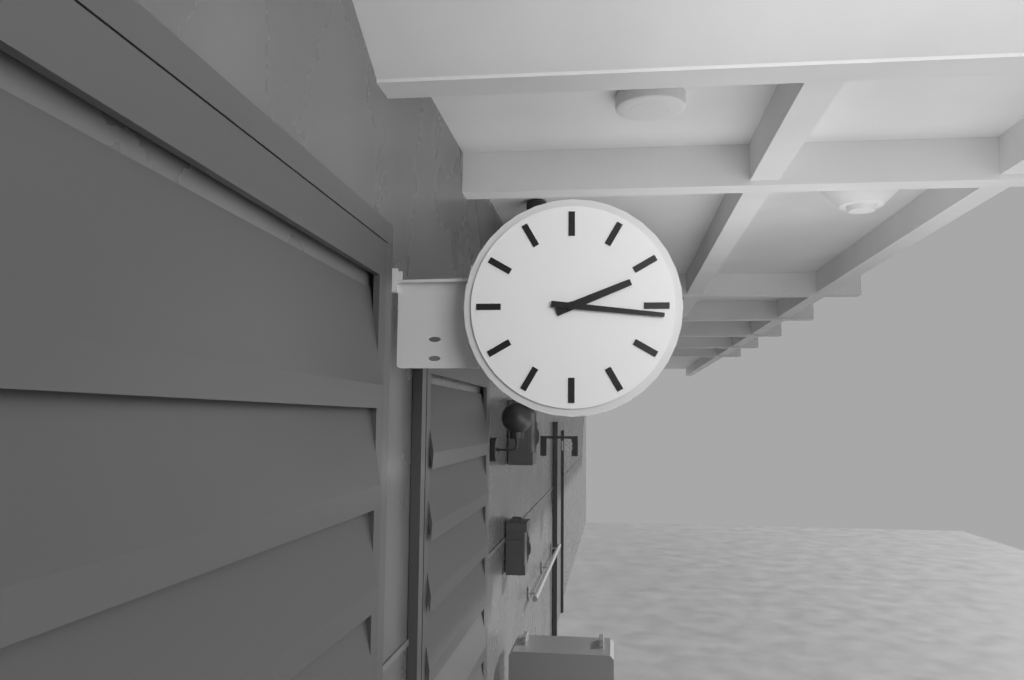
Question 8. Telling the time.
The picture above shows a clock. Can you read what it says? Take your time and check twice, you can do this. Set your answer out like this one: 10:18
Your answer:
2:16
